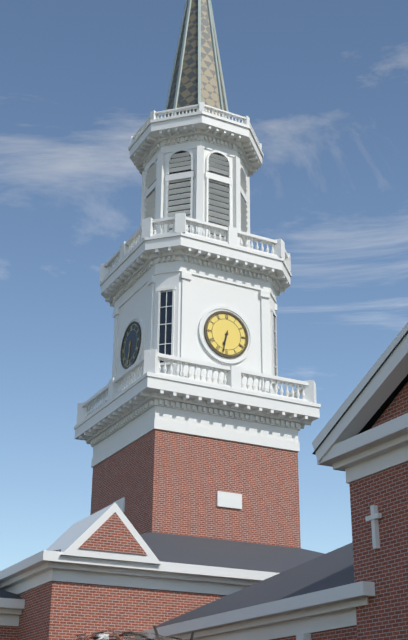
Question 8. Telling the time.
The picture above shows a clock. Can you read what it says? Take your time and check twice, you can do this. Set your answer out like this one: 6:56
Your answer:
6:32
